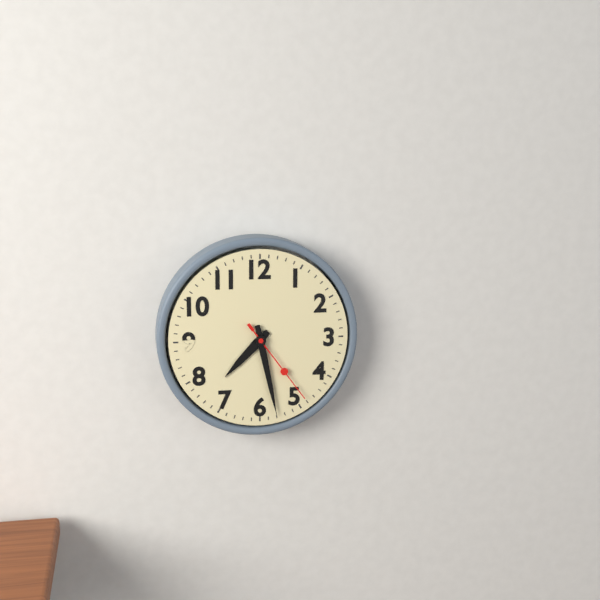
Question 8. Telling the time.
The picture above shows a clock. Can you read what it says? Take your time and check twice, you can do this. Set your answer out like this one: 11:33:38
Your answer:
7:28:24
